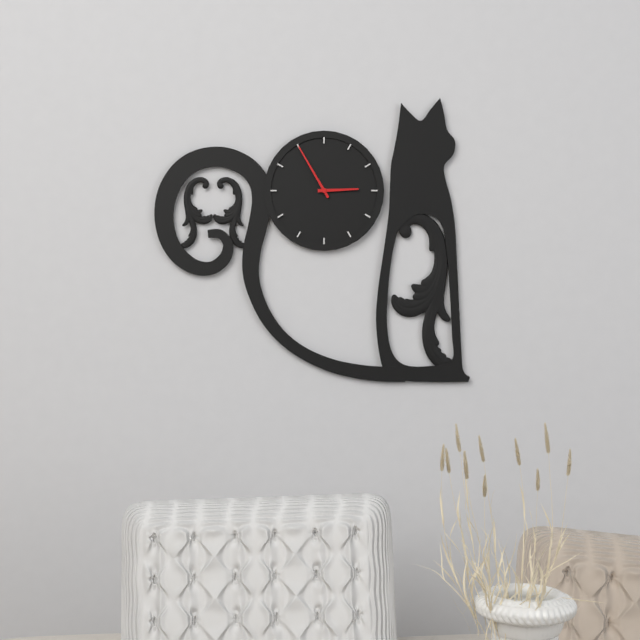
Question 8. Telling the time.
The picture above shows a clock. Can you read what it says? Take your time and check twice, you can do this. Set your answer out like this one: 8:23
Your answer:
2:55
